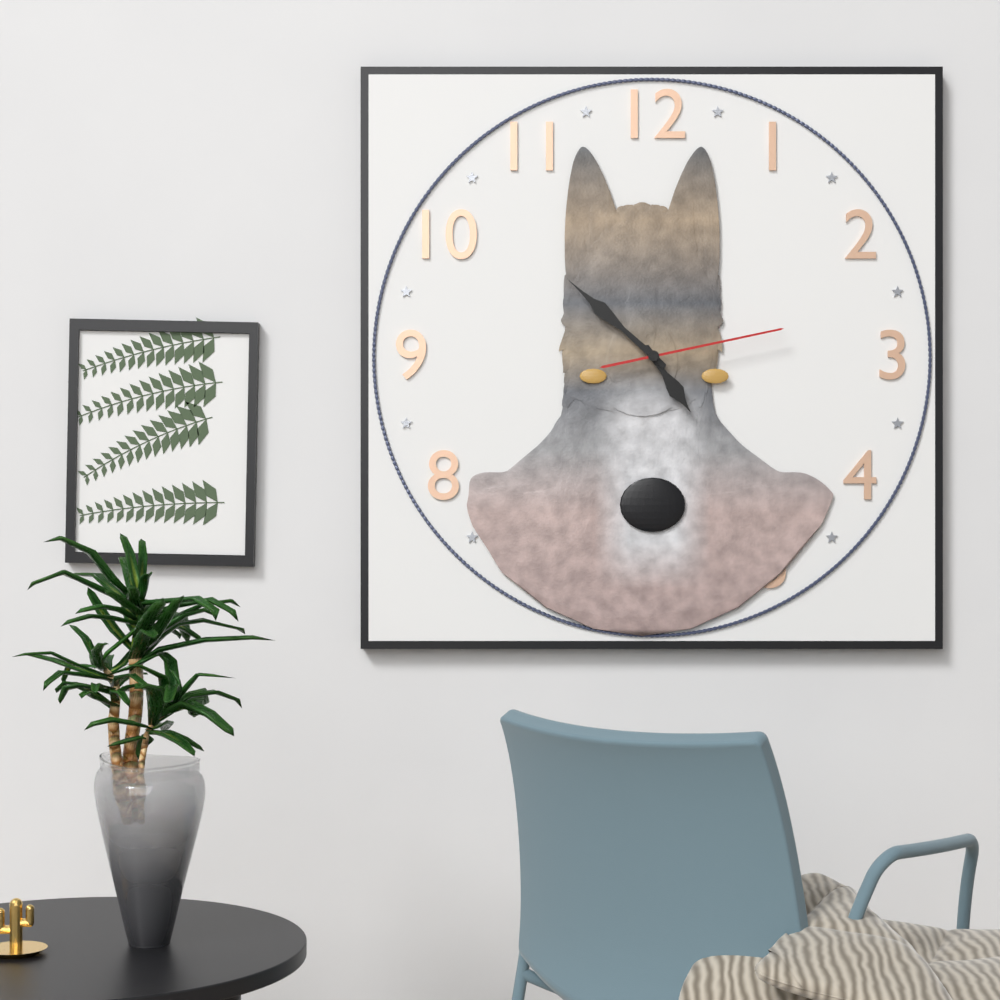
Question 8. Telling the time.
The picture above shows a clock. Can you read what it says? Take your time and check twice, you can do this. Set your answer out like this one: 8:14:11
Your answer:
4:52:13
